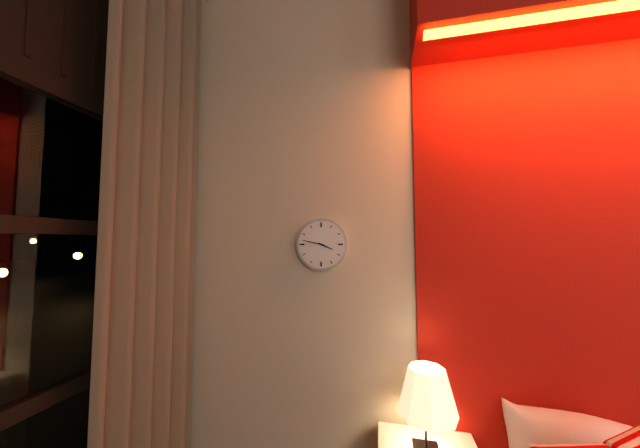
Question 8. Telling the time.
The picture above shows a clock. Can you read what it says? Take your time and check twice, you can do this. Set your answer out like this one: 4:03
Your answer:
3:47
